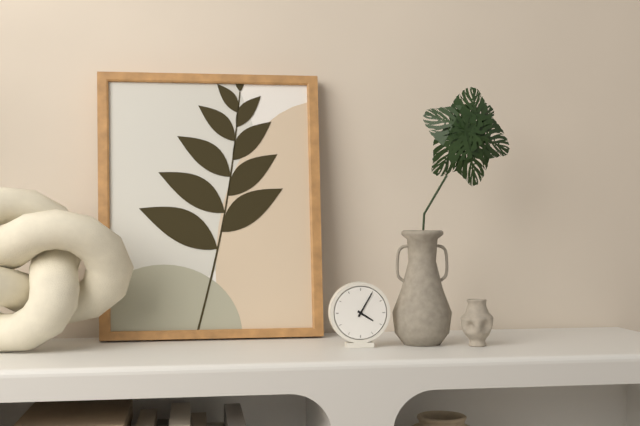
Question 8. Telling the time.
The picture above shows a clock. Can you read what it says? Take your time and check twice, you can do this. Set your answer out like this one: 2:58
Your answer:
4:05
